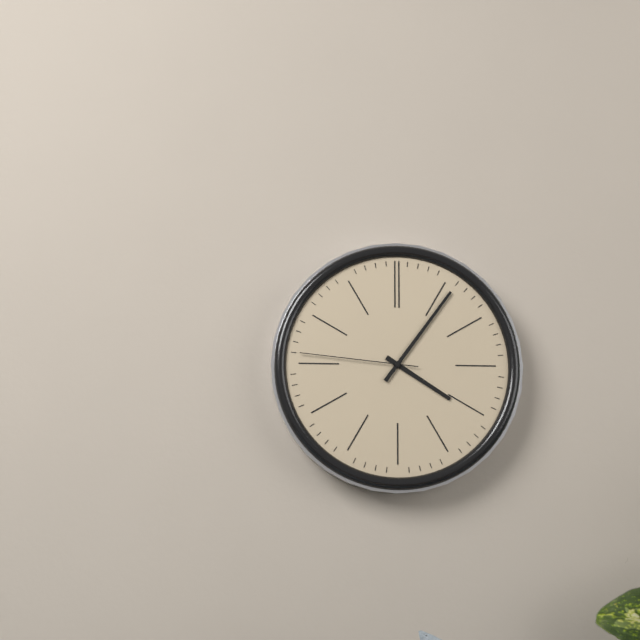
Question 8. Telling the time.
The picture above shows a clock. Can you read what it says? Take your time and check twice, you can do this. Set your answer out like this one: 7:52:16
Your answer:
4:06:46
